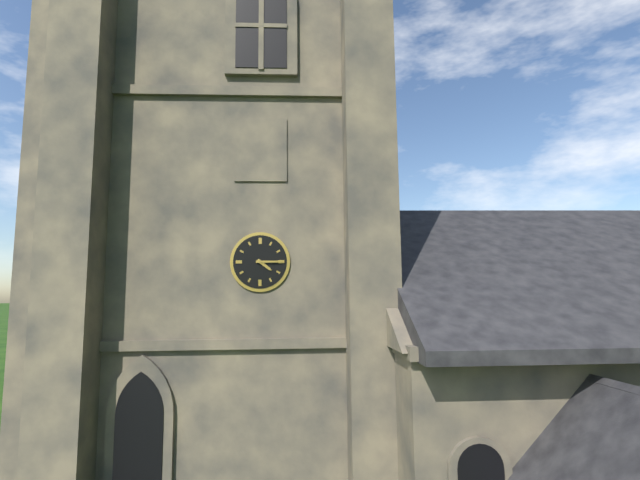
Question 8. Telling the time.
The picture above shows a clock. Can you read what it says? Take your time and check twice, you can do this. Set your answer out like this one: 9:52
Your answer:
4:15
